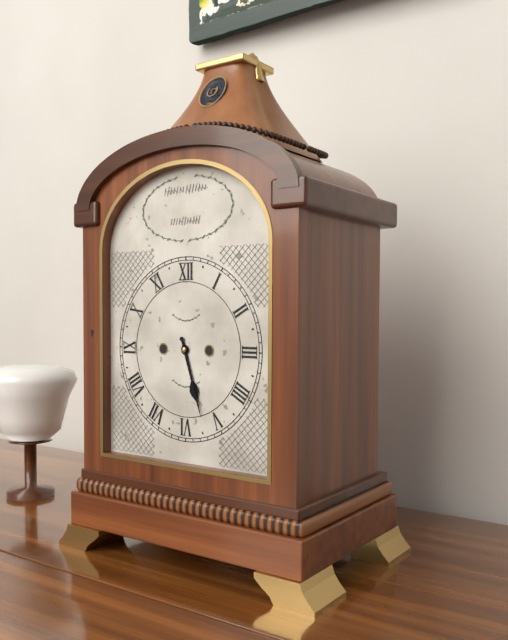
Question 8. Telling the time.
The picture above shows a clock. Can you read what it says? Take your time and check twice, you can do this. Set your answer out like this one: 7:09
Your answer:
5:27
